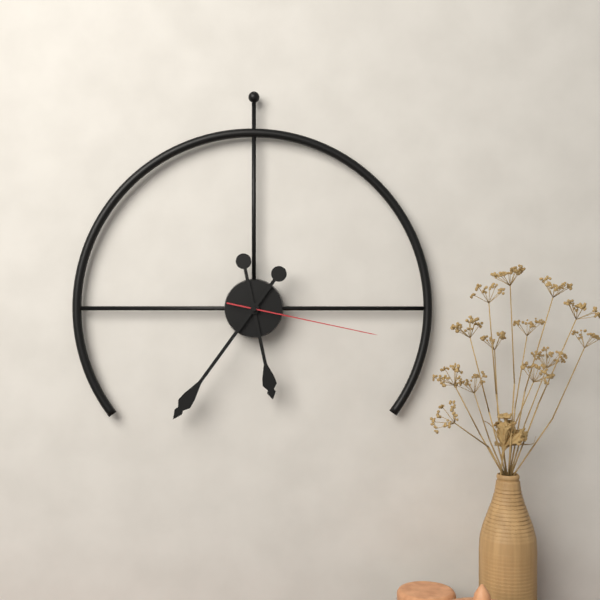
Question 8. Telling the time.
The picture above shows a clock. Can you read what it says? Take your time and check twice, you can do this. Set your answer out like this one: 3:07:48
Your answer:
5:36:17
